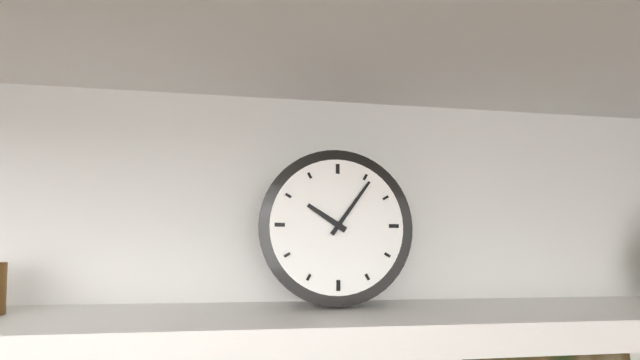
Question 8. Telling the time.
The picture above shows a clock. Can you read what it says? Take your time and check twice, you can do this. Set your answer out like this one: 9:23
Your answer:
10:06
